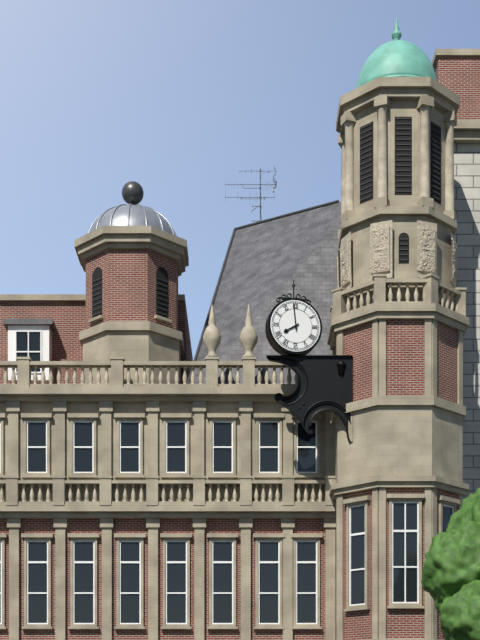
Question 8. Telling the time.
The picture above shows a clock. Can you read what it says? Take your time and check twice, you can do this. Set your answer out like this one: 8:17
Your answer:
7:59
